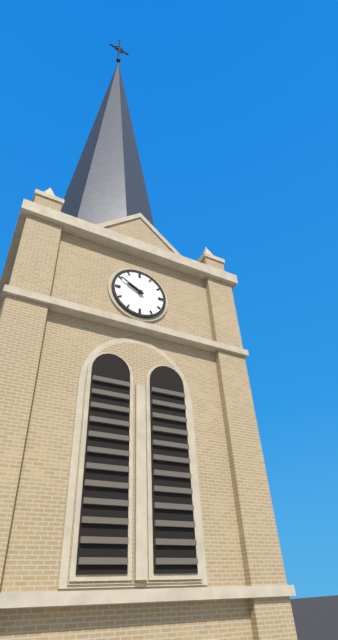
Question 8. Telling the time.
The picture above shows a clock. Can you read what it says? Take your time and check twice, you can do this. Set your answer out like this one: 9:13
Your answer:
9:50
